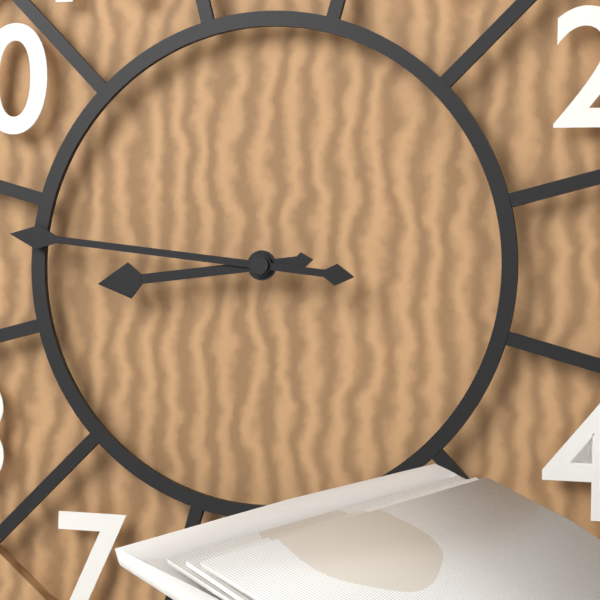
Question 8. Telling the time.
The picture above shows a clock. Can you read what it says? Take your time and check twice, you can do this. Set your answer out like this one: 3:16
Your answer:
8:46
